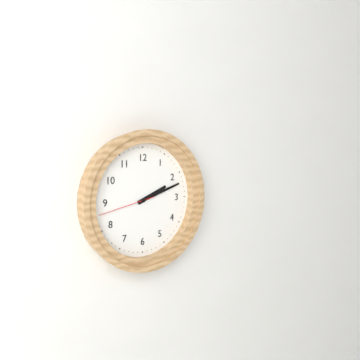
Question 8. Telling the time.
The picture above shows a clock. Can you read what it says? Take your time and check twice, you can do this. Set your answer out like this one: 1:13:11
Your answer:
2:12:43
